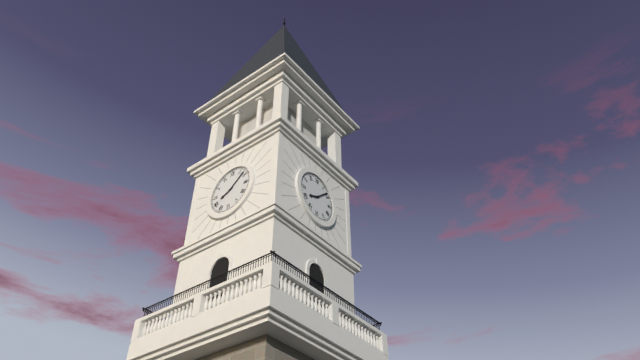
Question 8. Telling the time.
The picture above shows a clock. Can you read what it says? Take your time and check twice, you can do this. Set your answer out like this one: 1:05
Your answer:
8:08
